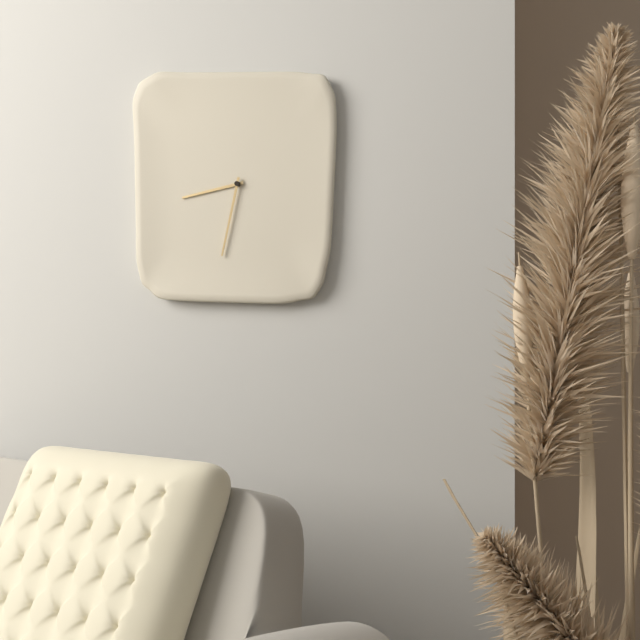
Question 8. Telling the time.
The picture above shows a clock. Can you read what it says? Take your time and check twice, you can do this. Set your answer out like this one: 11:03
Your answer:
8:32
